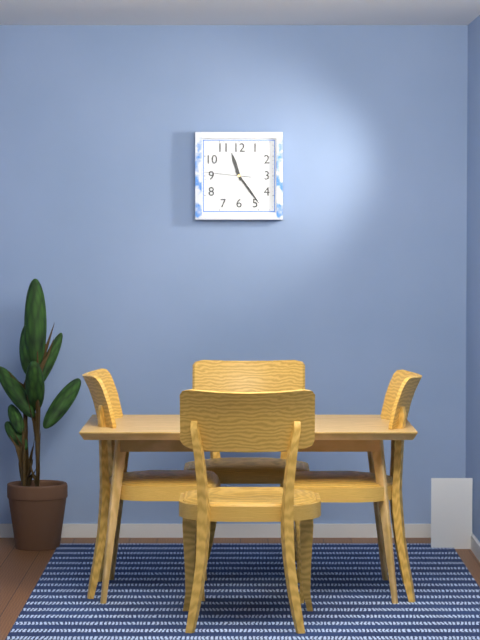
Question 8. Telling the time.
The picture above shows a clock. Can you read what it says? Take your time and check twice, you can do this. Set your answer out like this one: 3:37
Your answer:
11:24
